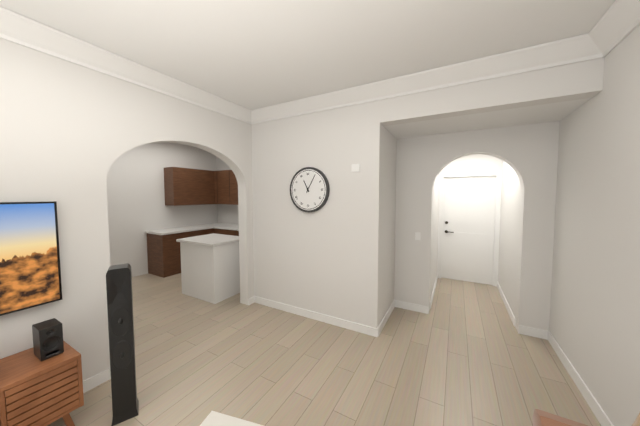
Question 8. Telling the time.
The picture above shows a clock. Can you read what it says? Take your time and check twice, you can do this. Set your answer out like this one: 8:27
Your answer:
11:05
